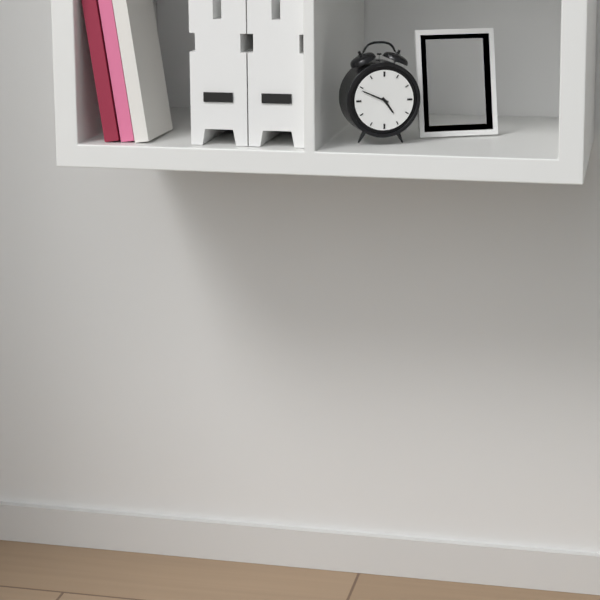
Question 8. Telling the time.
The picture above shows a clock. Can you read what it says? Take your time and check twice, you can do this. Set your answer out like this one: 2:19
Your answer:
4:49
